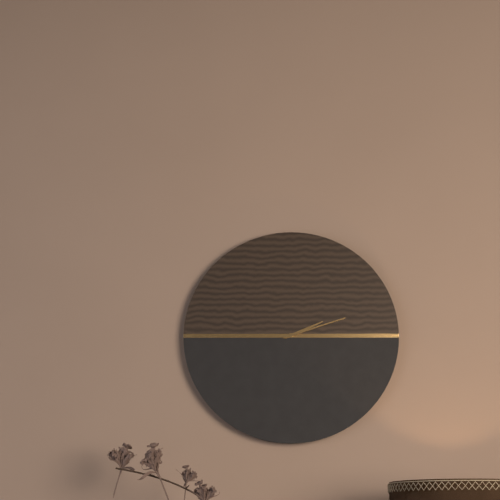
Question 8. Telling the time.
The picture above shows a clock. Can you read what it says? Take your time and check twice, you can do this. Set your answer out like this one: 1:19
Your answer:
2:12
